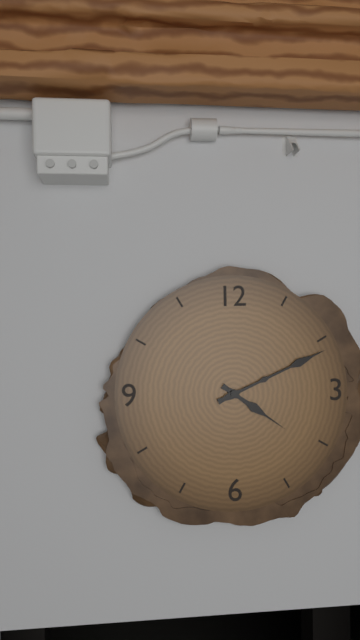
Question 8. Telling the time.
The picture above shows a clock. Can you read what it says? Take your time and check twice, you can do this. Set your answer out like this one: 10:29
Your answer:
4:11
